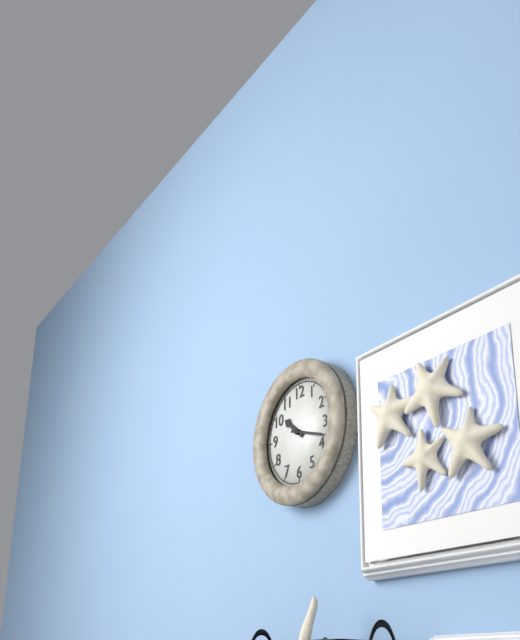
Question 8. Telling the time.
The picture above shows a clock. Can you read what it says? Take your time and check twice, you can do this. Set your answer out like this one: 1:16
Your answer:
10:18
